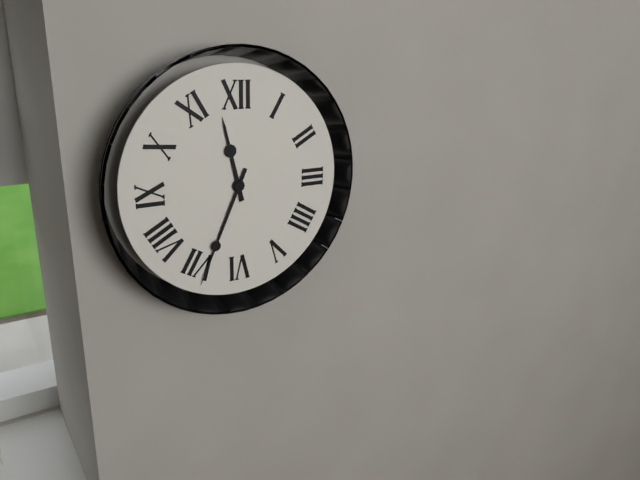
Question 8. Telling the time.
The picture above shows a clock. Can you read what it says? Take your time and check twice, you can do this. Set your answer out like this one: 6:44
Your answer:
11:34
